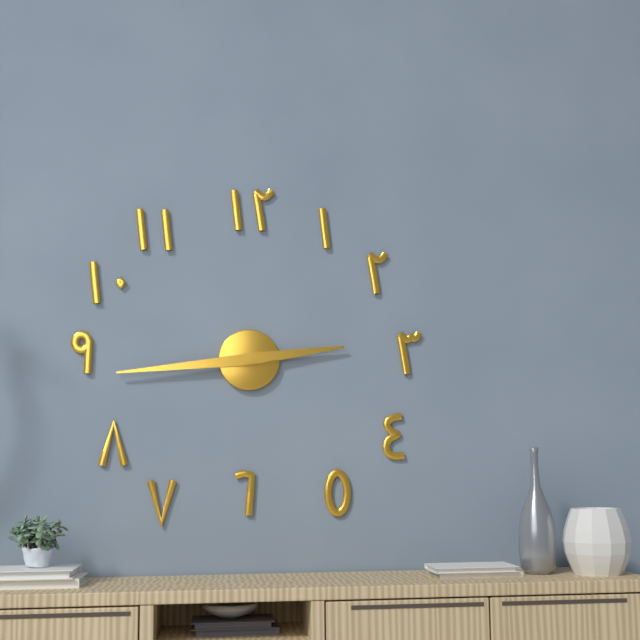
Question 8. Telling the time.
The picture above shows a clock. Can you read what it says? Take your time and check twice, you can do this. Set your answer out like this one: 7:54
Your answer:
2:44
